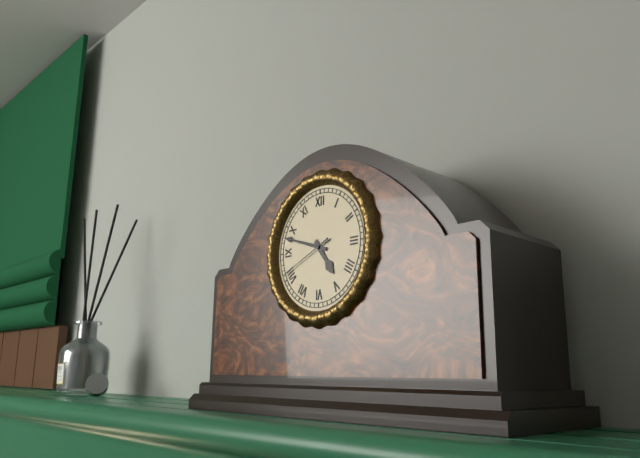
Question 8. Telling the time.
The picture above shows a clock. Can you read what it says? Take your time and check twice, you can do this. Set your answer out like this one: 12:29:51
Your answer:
4:48:41
